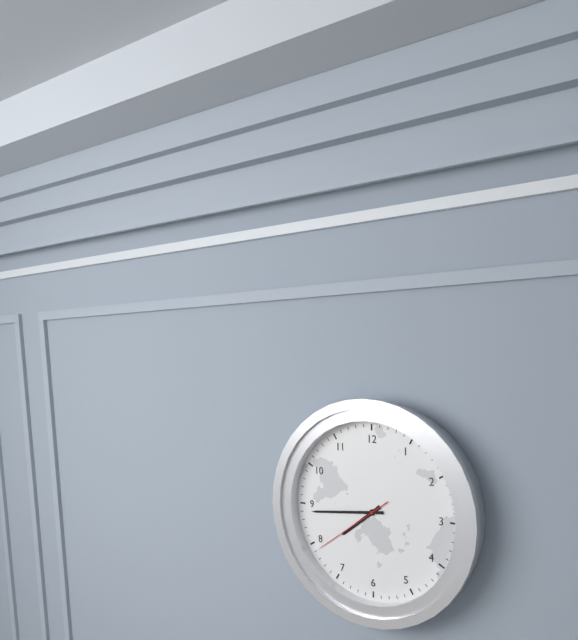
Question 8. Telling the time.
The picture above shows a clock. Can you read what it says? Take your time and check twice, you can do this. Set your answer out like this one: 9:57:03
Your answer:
7:44:39
